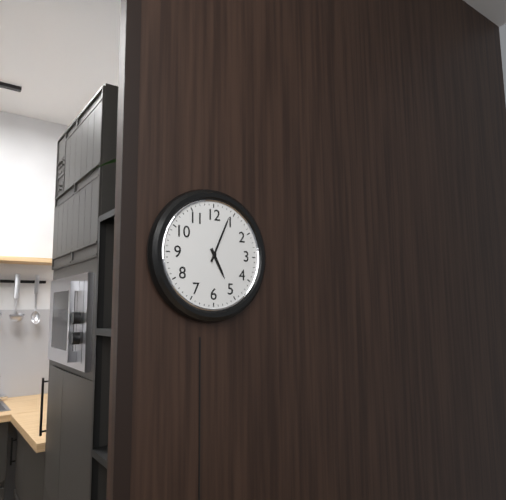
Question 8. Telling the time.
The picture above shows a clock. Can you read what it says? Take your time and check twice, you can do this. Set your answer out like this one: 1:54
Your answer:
5:04
